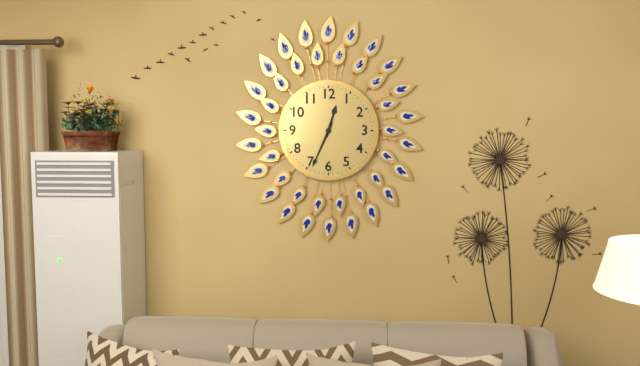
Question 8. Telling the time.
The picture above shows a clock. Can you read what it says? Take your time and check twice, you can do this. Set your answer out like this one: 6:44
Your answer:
12:34
